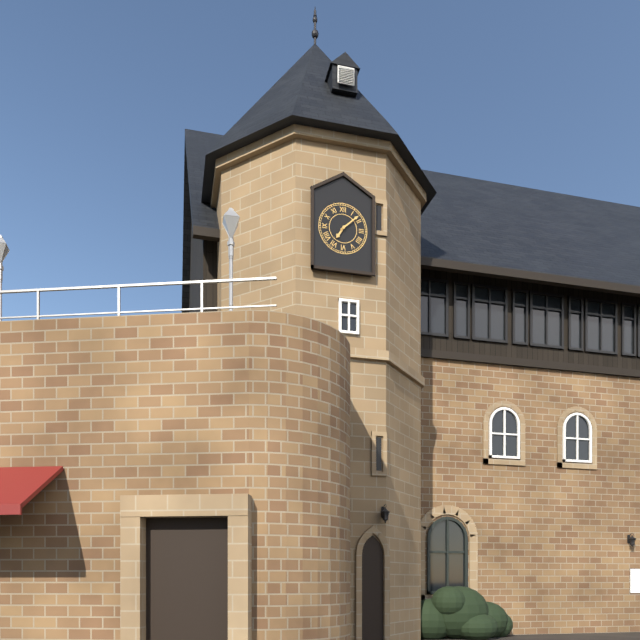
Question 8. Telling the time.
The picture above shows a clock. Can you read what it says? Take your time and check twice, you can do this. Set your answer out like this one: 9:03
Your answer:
7:08
